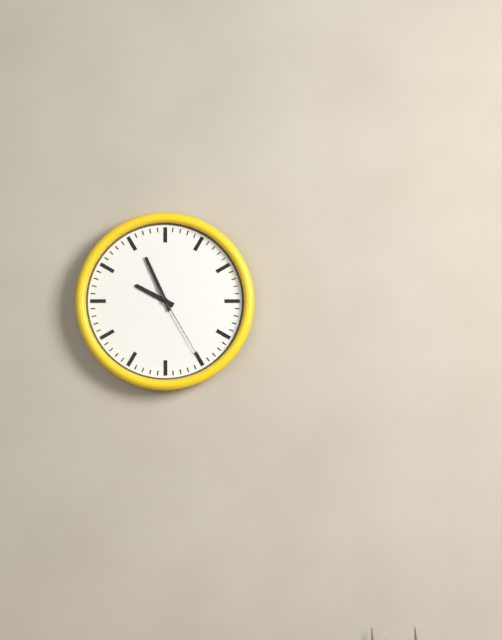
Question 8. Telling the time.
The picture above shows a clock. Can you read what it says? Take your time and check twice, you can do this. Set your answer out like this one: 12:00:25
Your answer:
9:56:25
